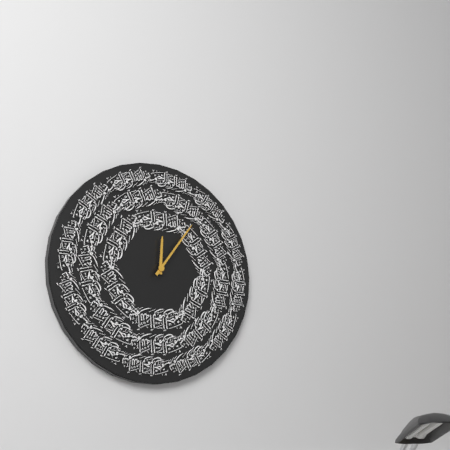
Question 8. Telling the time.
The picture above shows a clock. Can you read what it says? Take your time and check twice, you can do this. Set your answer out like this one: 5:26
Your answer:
12:06
